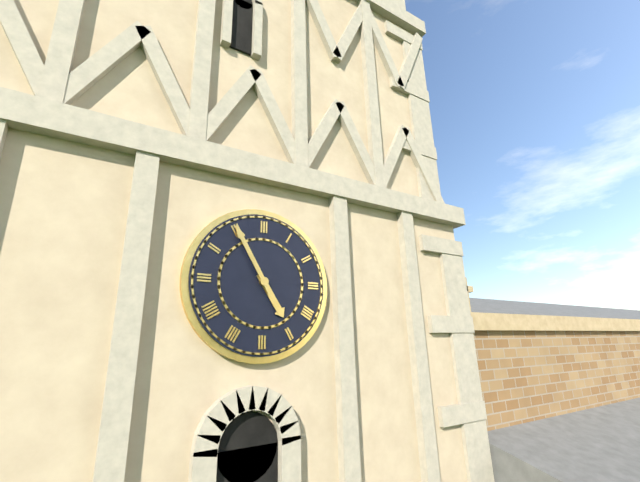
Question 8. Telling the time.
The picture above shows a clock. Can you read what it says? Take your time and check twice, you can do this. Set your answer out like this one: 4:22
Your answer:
4:55
